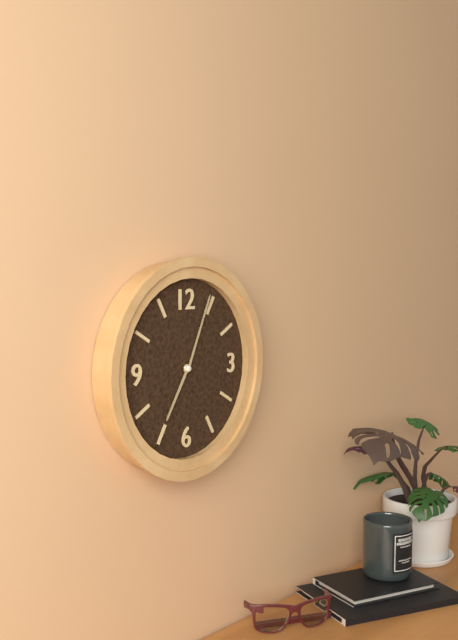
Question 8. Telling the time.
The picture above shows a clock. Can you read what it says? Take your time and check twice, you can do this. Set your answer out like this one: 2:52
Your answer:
7:04
